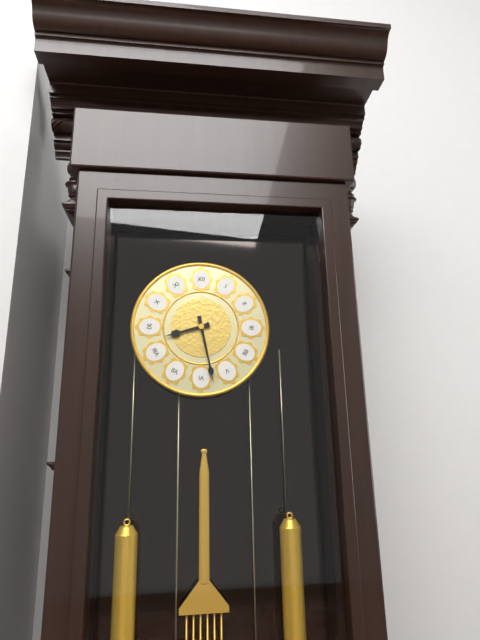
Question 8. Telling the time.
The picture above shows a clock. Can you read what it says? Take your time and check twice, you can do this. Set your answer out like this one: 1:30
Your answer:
8:28
